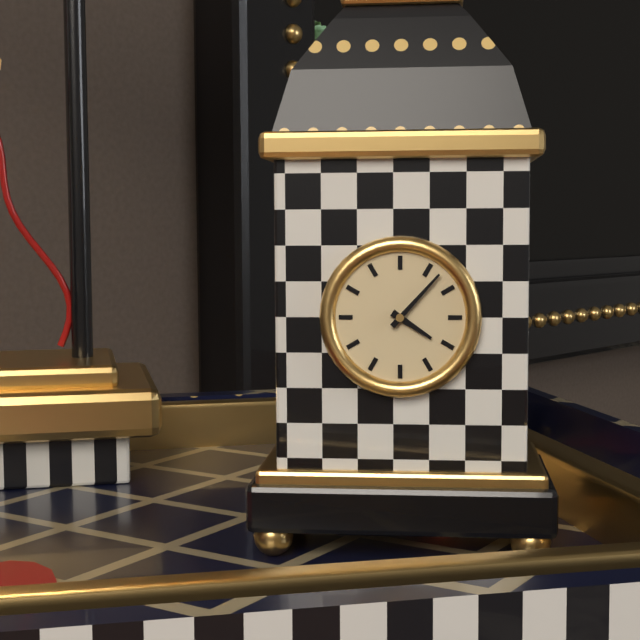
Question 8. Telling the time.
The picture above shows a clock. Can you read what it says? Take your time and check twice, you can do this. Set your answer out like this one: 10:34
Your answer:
4:07
